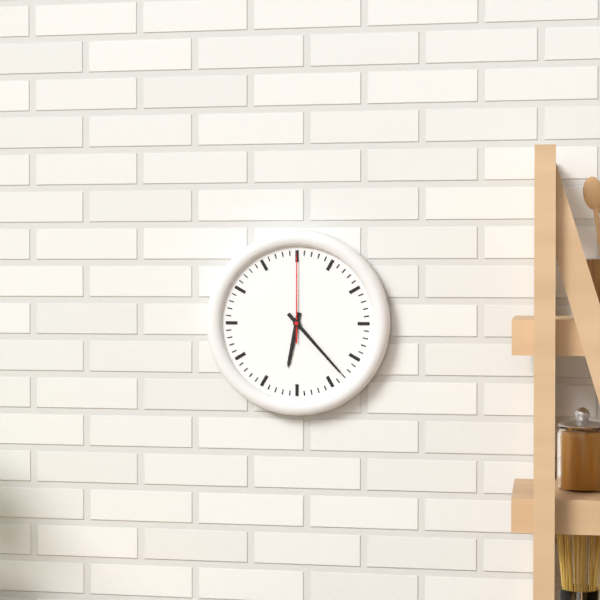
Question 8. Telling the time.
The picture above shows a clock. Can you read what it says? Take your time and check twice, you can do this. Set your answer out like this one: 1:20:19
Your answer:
6:23:00
